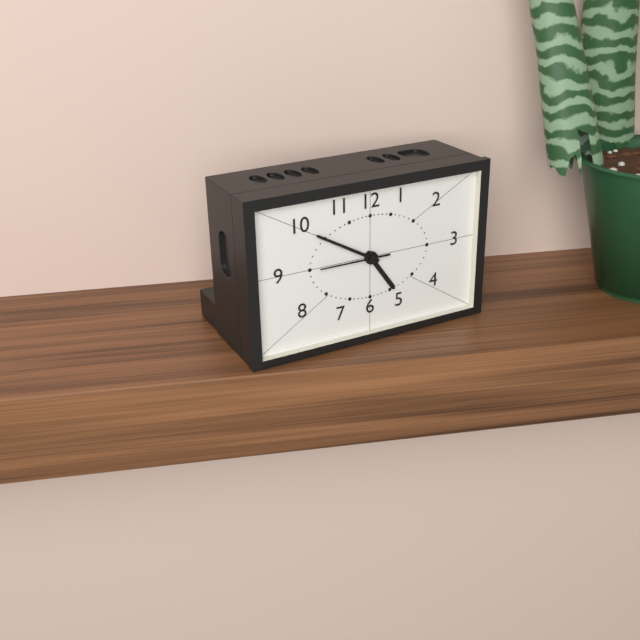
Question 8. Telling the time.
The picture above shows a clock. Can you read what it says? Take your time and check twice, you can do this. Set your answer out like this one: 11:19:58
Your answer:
4:50:45
